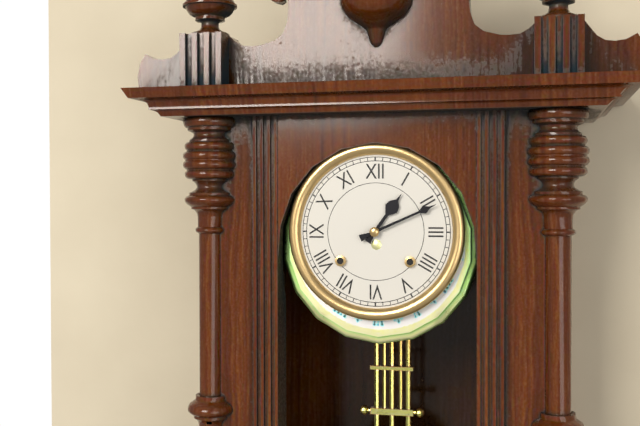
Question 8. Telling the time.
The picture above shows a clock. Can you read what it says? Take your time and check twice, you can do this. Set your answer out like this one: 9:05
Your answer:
1:11
